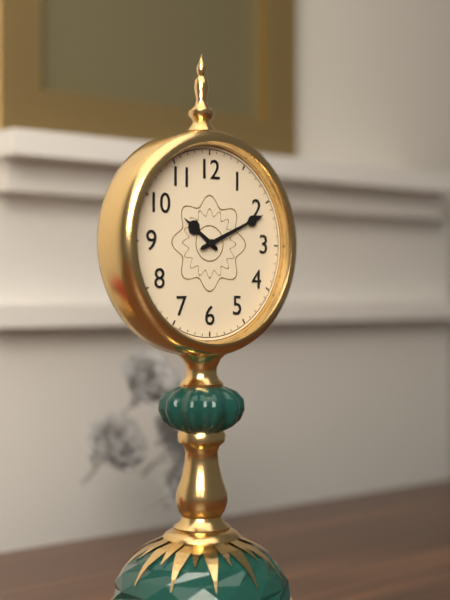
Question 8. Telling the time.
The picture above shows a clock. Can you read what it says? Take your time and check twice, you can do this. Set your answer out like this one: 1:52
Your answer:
10:11
